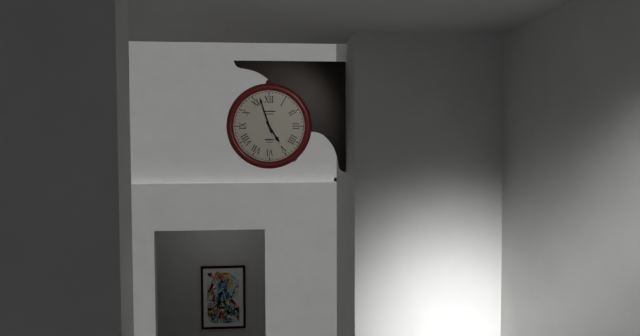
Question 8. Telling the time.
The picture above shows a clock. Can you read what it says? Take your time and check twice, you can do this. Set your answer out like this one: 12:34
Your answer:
4:57
